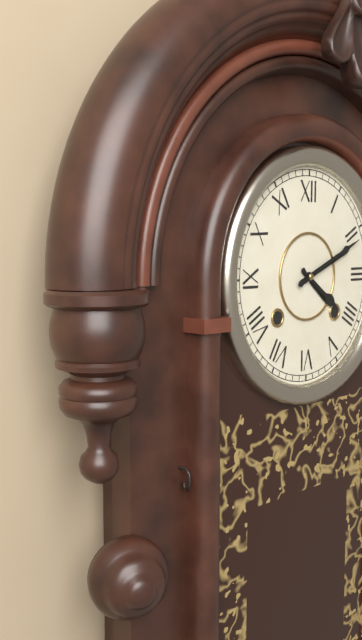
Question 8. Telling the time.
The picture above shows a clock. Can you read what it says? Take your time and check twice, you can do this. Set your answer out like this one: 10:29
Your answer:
4:11
